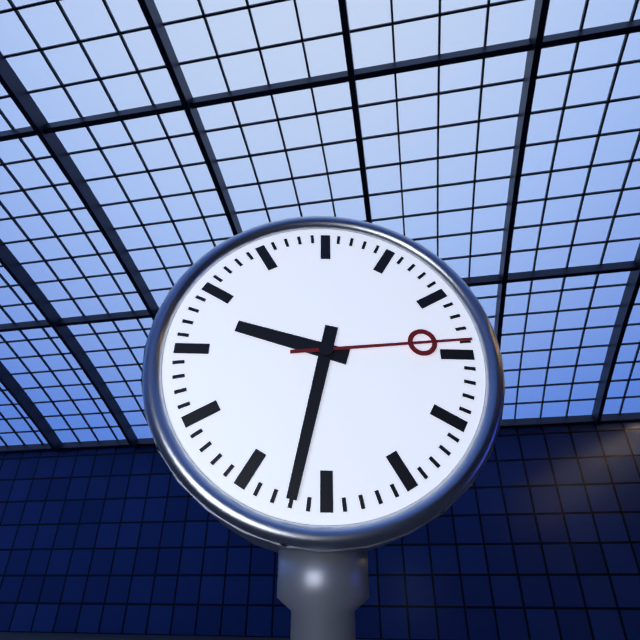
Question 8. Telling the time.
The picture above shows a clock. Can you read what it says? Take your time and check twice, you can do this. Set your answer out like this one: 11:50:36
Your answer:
9:32:14
